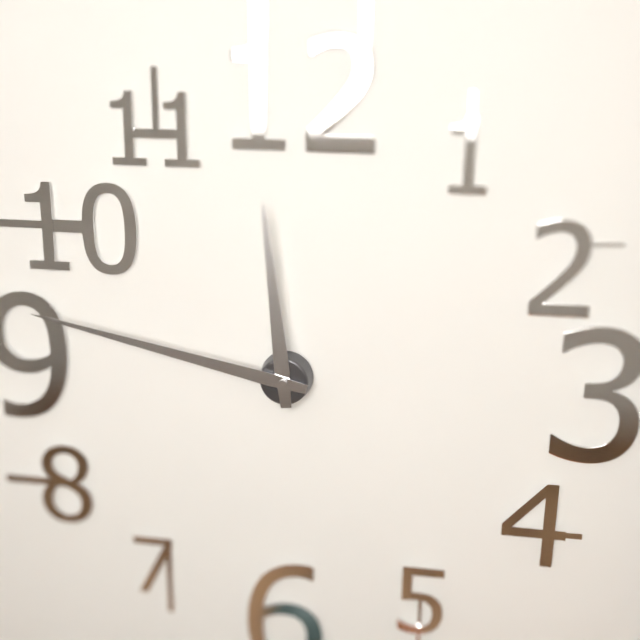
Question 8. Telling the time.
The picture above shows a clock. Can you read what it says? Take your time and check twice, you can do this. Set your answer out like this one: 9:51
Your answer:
11:47
